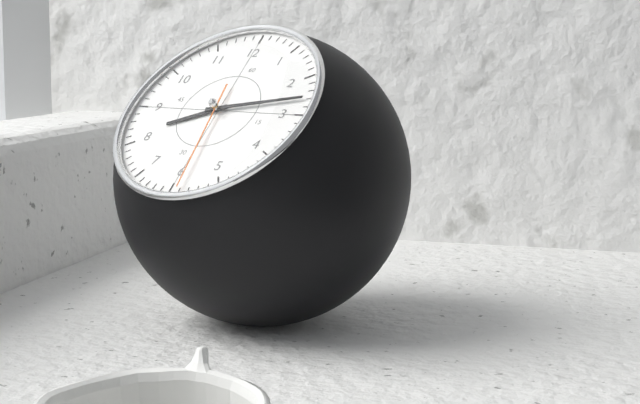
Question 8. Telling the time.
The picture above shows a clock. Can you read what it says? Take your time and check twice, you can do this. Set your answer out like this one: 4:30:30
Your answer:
8:13:29
